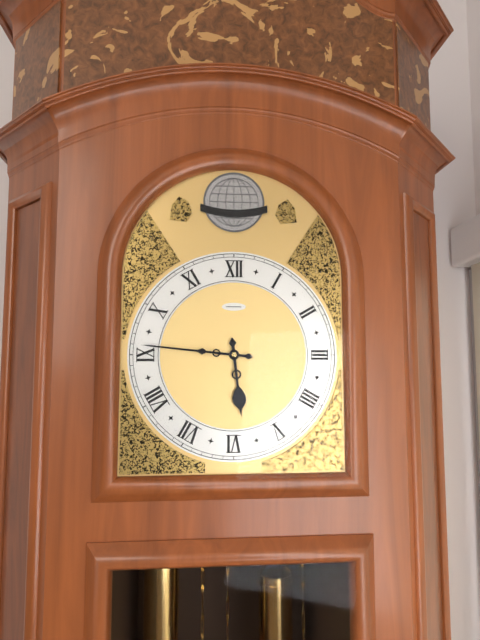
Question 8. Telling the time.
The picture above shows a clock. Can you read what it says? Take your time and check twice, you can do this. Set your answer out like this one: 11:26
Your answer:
5:46
